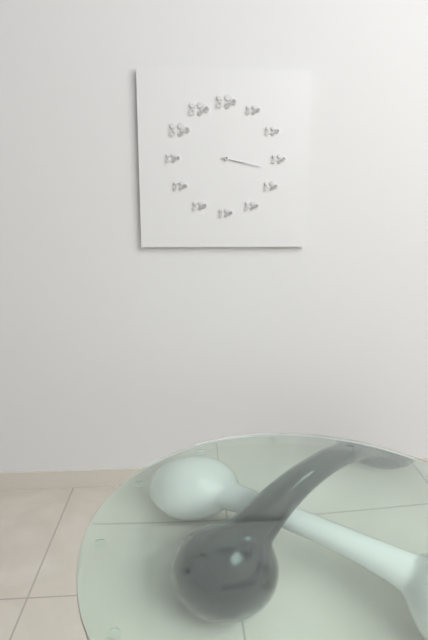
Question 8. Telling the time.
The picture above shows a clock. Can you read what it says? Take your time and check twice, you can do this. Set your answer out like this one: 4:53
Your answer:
3:17
